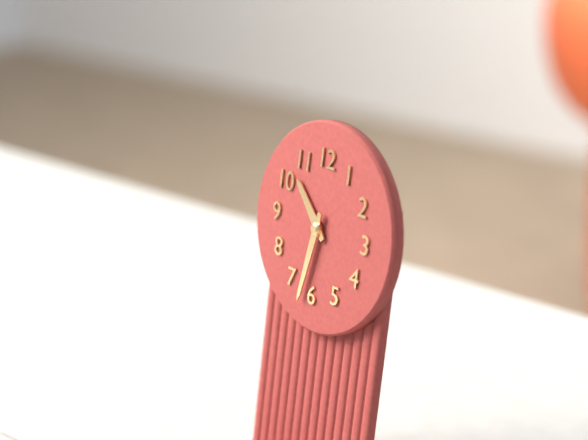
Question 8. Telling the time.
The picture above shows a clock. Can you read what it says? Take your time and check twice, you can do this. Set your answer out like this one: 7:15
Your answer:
10:32
